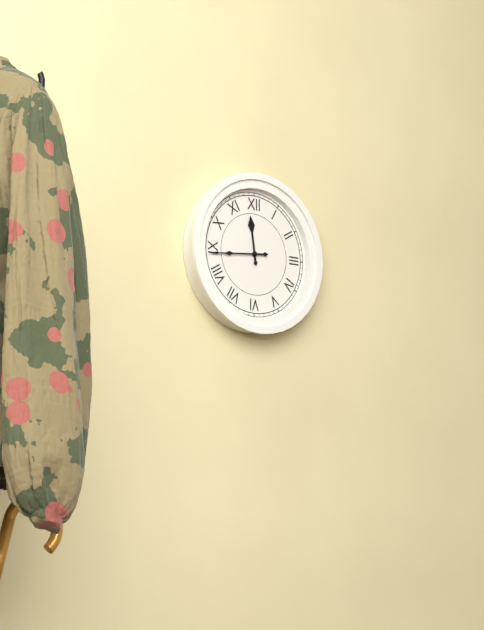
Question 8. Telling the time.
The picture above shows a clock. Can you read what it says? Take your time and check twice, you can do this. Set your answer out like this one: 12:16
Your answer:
11:44
